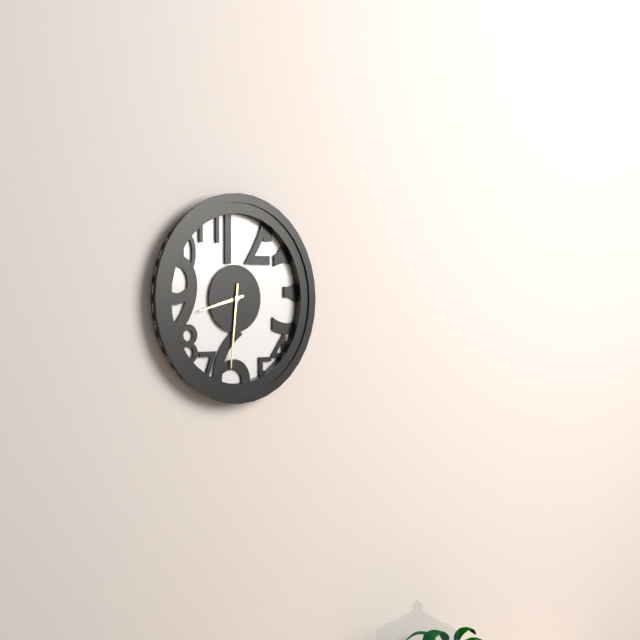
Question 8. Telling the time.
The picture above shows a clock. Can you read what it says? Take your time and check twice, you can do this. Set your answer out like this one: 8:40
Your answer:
8:31
